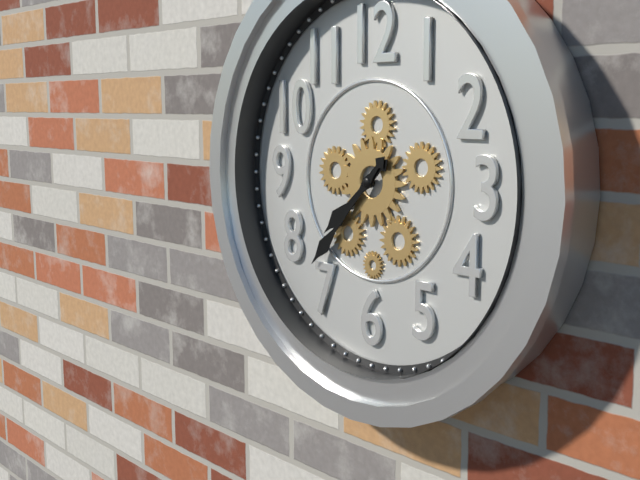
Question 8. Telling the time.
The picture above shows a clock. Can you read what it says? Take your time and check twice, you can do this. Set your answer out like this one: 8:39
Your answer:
7:37
